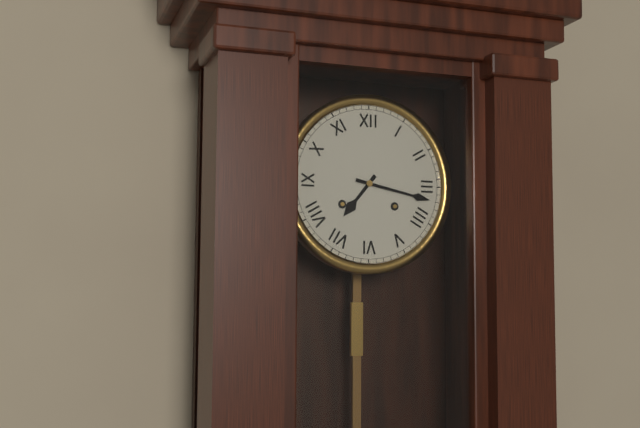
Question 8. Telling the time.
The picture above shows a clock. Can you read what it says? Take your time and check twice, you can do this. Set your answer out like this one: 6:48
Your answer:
7:17
